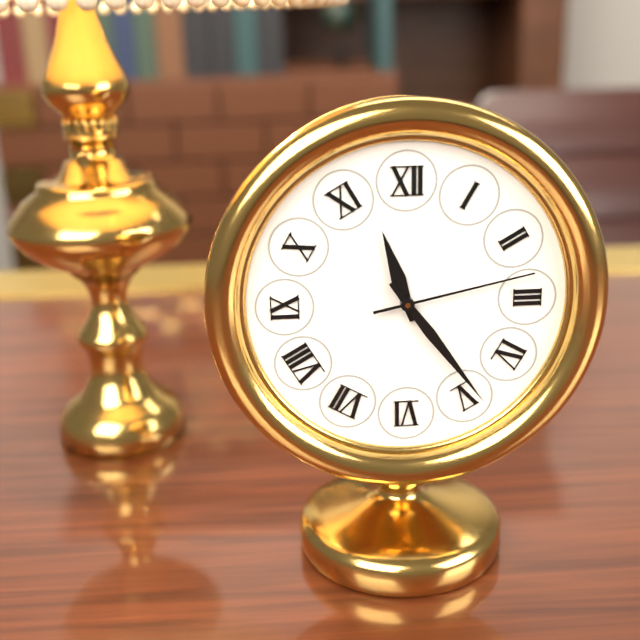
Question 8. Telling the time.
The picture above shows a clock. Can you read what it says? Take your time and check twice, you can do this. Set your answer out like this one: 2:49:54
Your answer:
11:24:13
